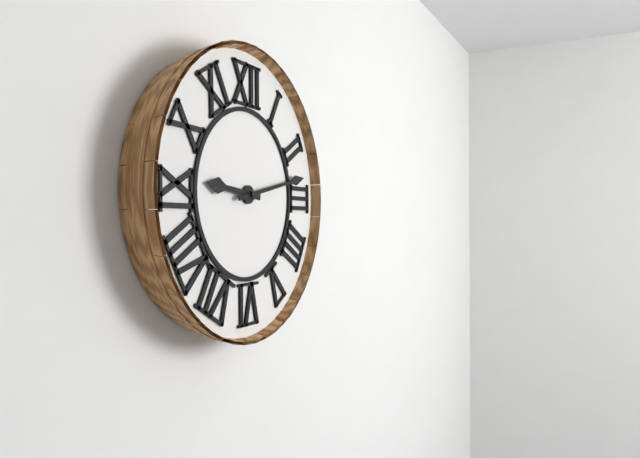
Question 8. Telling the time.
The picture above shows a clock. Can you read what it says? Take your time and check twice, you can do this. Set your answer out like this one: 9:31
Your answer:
9:13
